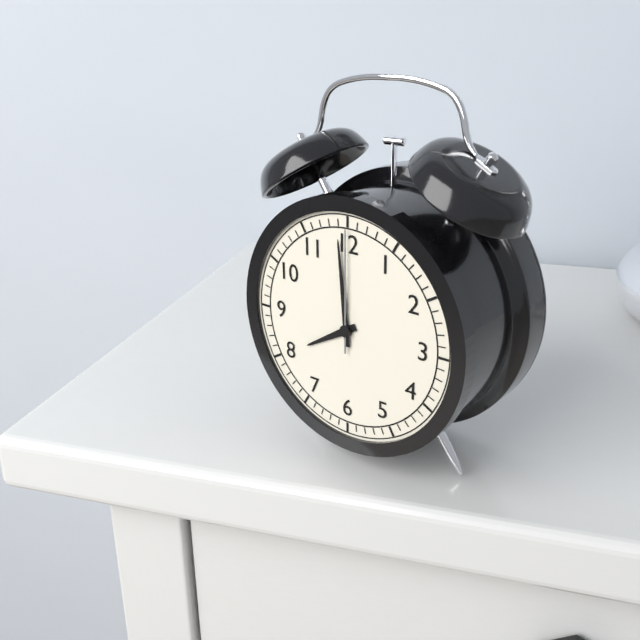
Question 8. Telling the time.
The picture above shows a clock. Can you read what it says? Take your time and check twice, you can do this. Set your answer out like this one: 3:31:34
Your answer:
7:59:00
